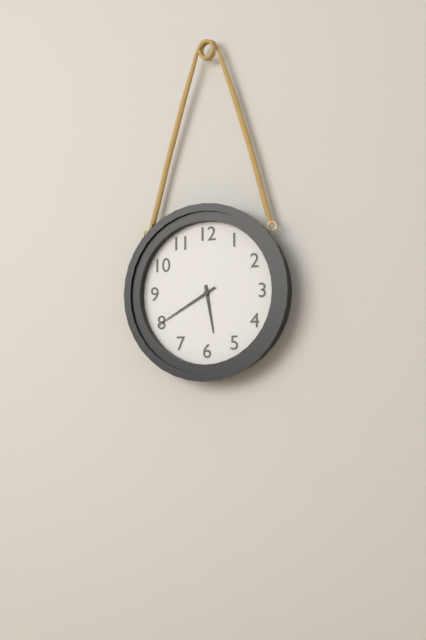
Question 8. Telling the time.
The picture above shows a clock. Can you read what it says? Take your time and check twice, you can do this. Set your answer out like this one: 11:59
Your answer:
5:40
